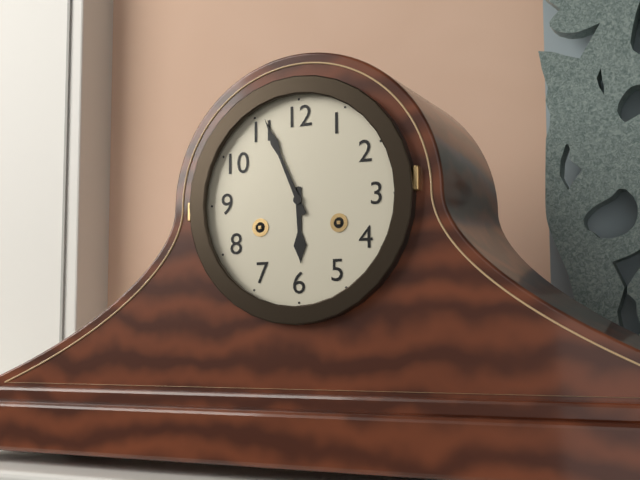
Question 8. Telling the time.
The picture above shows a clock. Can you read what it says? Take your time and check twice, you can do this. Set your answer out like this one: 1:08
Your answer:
5:56
